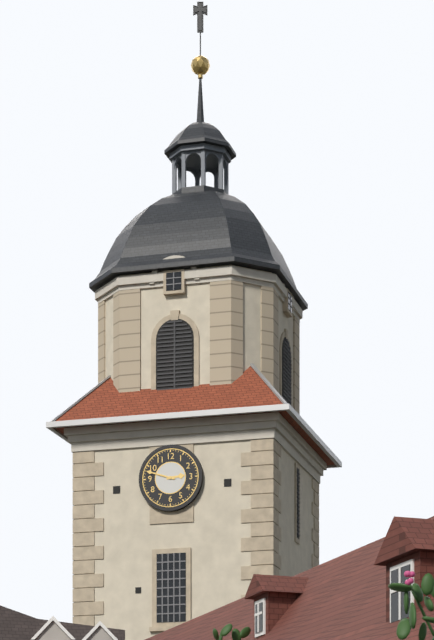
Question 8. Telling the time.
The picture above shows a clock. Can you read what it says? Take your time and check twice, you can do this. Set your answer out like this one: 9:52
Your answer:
2:48
